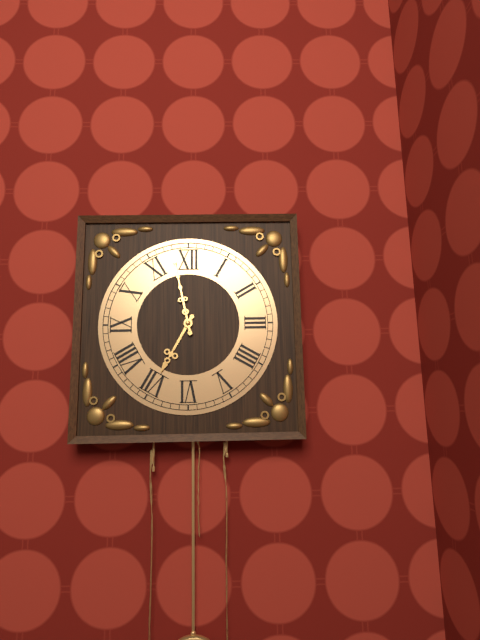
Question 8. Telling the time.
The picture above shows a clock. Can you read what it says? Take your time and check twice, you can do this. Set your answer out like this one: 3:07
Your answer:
6:58
